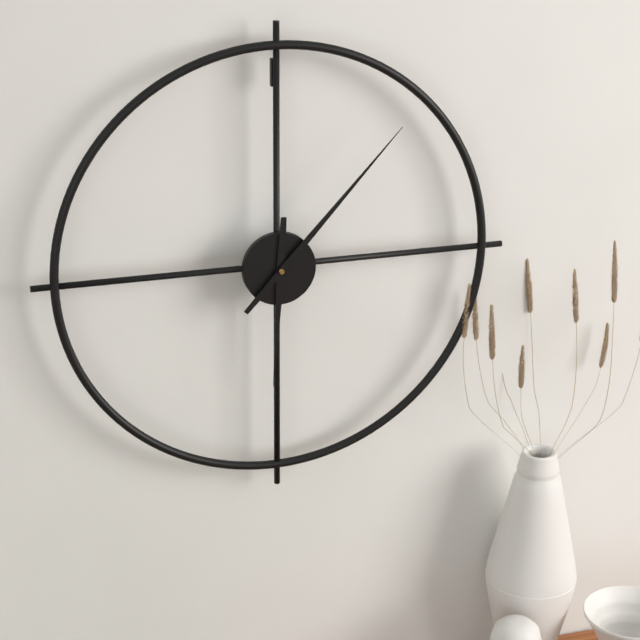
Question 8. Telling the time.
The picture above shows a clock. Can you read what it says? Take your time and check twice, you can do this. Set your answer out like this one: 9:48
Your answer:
6:07
